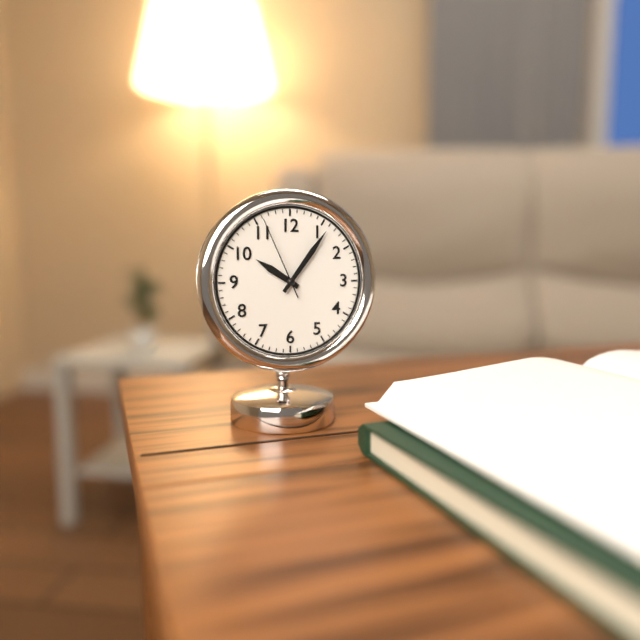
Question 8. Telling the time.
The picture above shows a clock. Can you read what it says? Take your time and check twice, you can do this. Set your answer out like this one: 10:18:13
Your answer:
10:06:56
